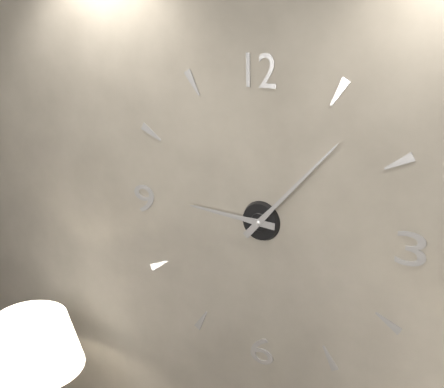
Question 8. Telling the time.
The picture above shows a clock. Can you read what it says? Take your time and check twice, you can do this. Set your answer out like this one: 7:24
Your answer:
9:07
